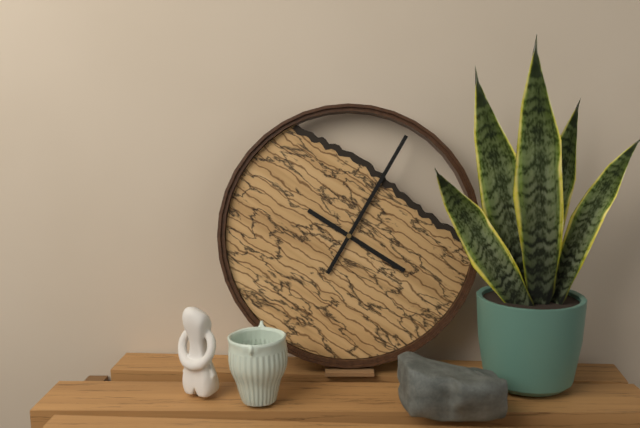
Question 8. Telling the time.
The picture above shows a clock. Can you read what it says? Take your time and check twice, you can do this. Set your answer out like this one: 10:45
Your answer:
4:05
